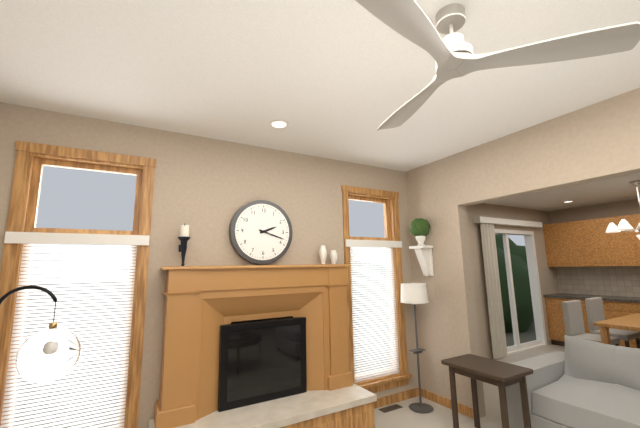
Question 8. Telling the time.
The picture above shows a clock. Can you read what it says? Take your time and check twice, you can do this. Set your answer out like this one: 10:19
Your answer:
2:18
